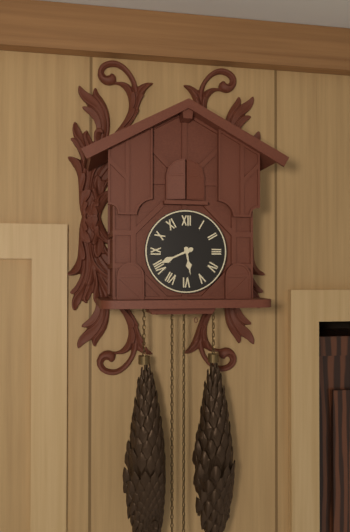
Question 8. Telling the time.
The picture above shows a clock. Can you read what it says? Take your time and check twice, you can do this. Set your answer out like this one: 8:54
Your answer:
5:41
